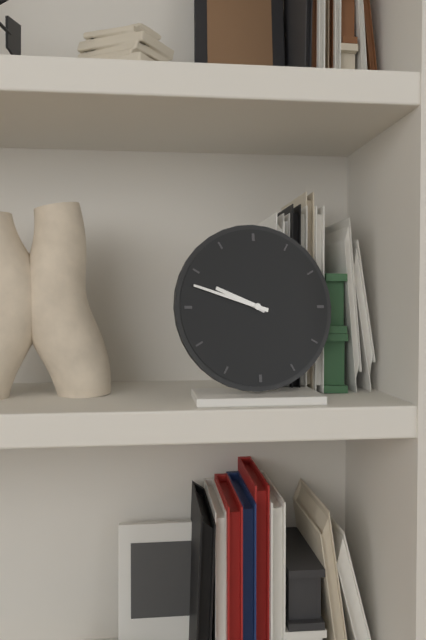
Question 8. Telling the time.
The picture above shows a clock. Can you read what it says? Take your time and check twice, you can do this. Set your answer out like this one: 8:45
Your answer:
9:48
